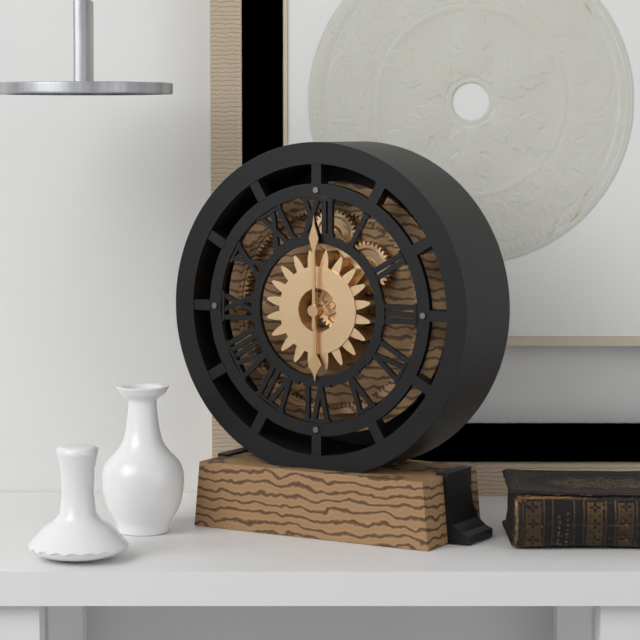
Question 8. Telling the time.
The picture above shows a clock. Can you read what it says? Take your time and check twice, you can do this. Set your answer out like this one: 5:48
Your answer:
6:00
